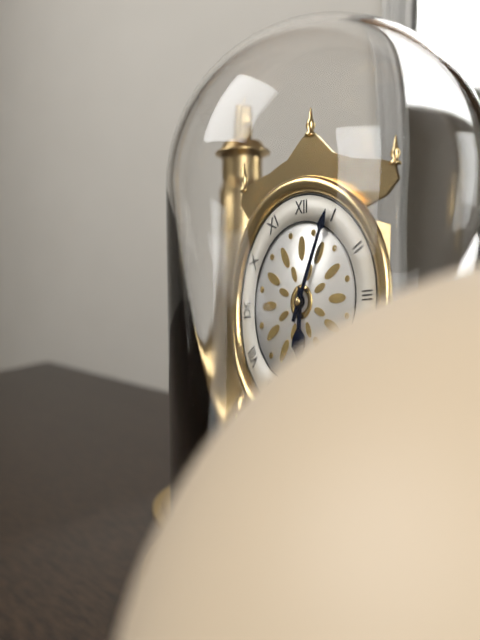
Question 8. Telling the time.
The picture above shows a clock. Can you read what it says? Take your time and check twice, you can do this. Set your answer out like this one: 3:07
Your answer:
6:04
